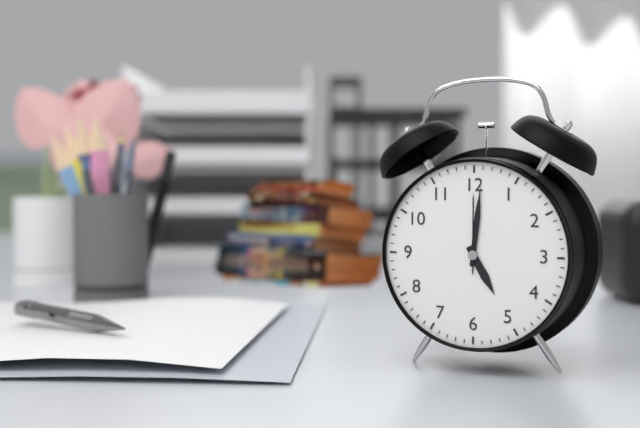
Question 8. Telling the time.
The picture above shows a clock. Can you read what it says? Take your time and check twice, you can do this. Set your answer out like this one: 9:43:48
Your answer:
5:01:00
